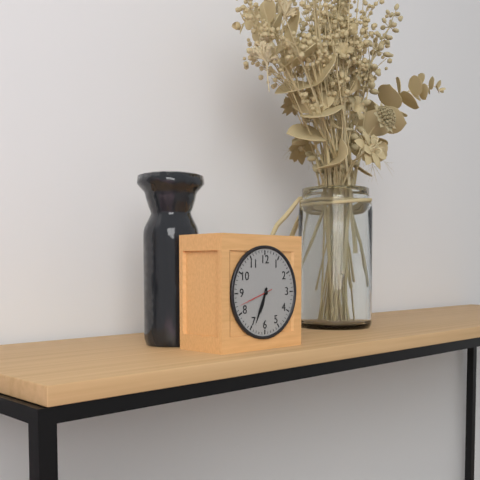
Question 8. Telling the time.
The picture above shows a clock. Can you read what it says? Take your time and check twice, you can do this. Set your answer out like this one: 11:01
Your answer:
6:34
